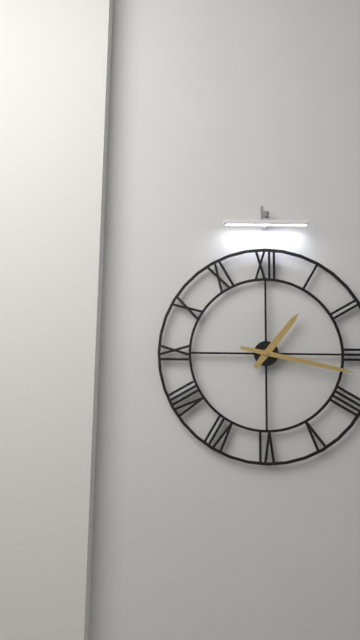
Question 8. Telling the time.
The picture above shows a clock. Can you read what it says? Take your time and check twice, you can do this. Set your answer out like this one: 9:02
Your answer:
1:17
